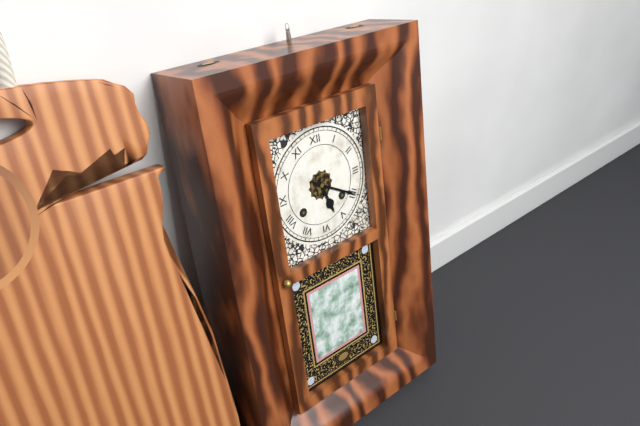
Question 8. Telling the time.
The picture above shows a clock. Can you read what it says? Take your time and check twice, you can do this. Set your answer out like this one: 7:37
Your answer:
5:20
